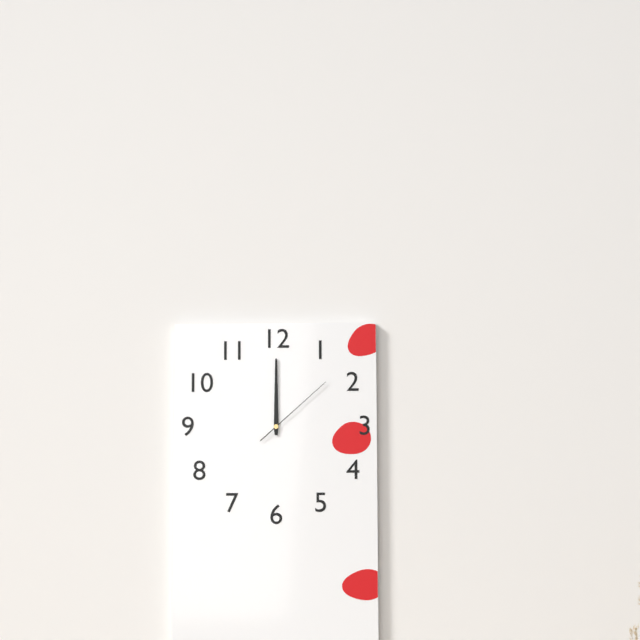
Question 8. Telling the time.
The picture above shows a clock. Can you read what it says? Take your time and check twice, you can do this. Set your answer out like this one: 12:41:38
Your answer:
12:00:08
